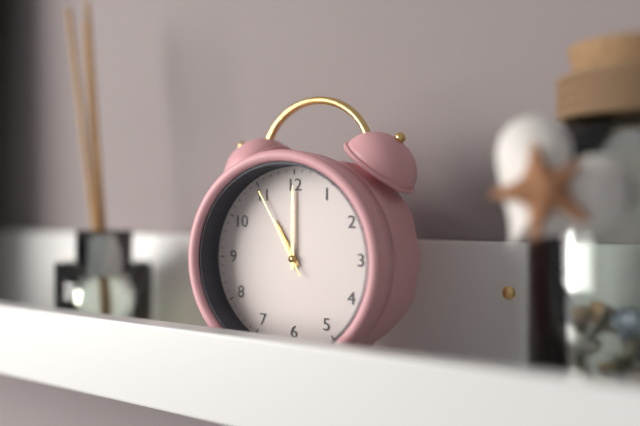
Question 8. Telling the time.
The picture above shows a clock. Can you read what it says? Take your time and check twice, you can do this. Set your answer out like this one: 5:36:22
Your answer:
11:00:55
